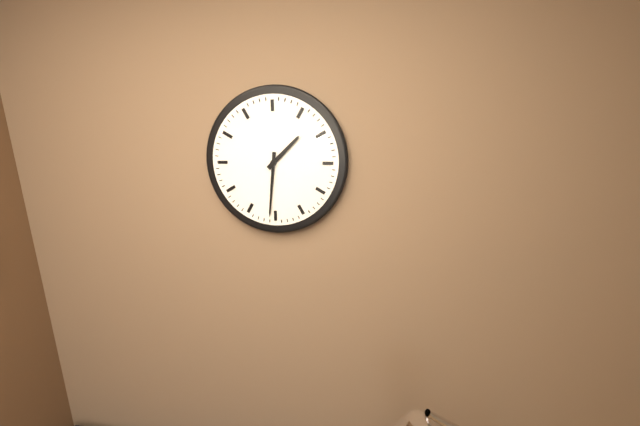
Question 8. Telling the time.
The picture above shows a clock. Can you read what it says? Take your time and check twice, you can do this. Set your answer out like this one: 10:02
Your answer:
1:31
